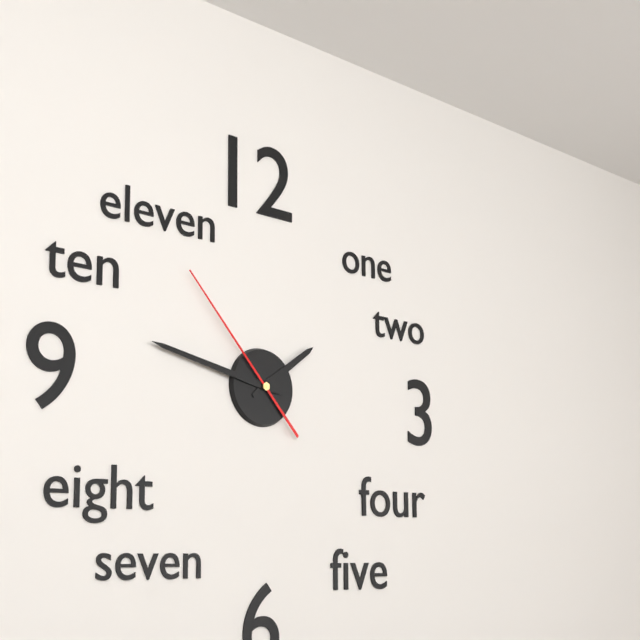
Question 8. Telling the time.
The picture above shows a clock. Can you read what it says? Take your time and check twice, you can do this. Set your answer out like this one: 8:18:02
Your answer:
1:47:53
